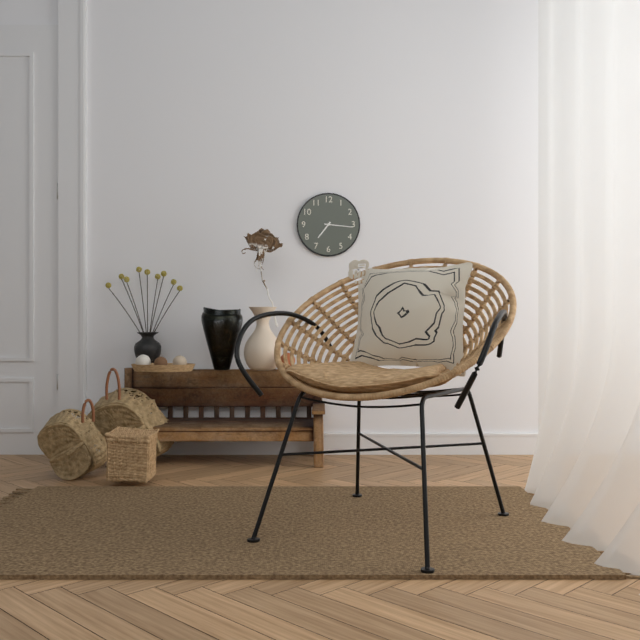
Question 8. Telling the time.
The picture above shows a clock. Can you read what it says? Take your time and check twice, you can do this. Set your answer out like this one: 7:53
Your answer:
7:16
